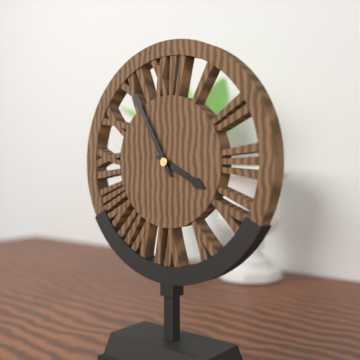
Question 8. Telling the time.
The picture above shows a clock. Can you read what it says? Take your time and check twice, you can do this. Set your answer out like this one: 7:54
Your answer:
3:55
